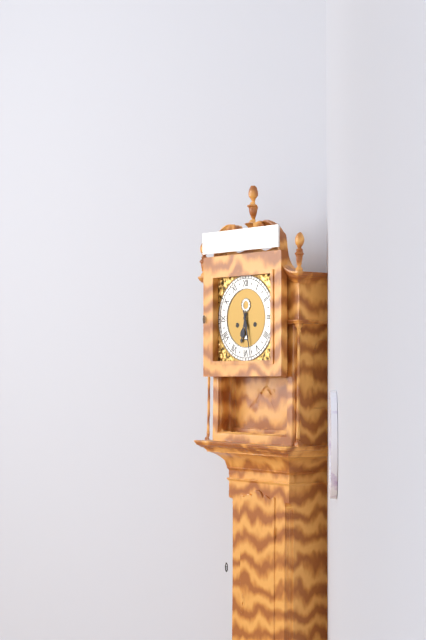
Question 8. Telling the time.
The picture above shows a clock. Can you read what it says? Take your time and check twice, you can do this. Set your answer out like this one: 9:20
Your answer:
6:28
